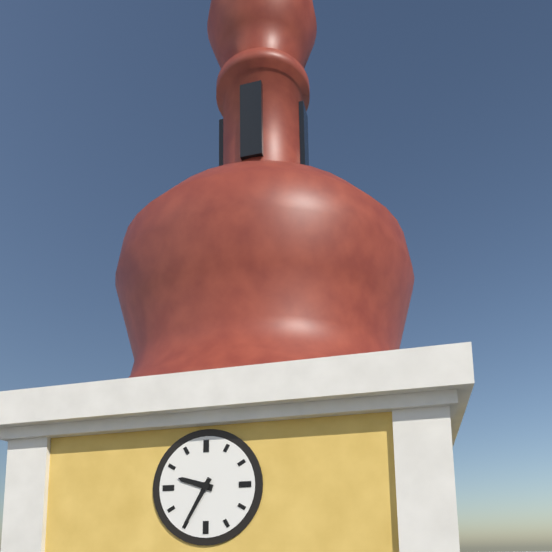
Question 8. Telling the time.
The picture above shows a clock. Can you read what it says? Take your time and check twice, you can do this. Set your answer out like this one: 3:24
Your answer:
9:35
